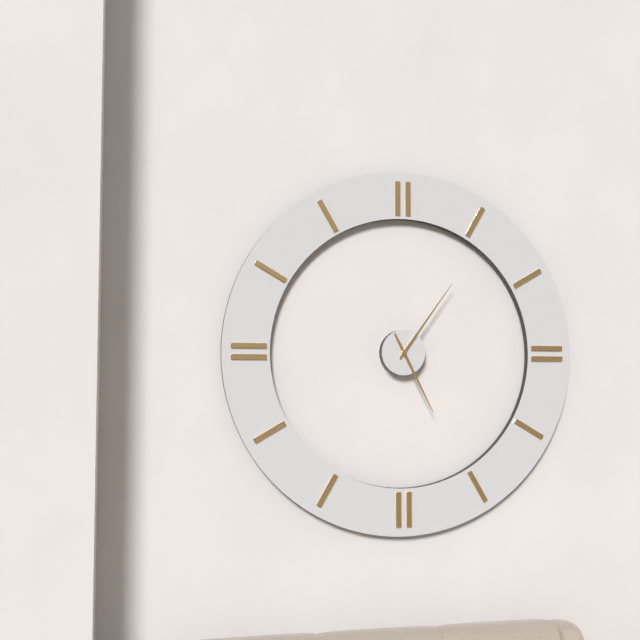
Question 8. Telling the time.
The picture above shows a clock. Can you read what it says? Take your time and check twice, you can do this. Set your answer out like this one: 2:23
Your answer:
5:06
